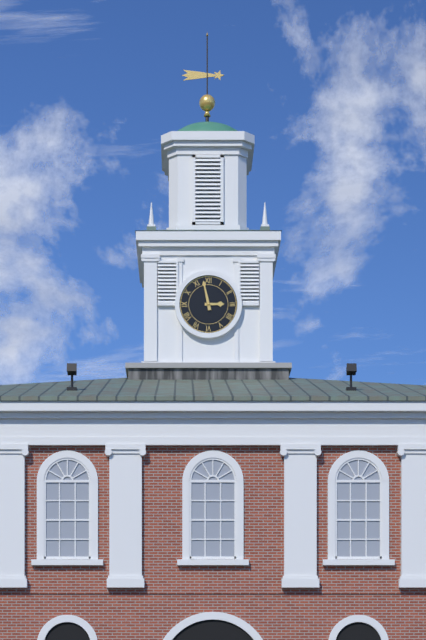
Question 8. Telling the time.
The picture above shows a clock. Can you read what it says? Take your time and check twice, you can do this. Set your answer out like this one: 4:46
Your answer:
2:58
